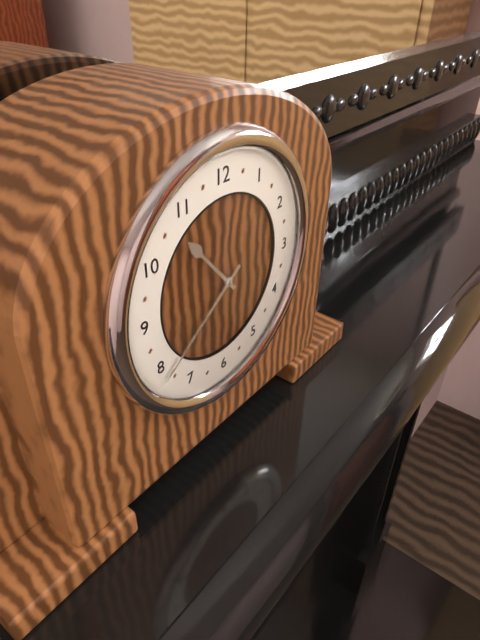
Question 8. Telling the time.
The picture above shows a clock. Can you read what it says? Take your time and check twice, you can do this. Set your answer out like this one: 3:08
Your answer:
10:39
